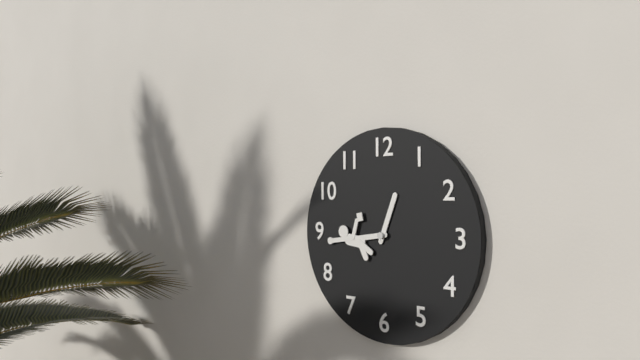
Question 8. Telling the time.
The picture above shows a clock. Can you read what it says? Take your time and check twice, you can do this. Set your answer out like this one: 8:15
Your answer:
12:43
